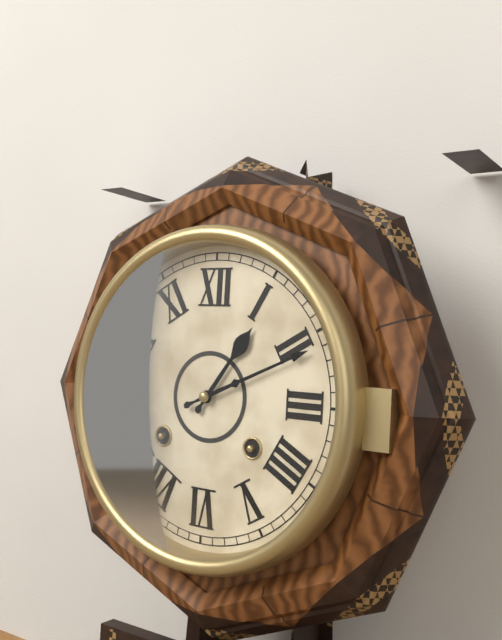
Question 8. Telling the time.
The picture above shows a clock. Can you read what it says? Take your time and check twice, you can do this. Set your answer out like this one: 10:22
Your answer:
1:11
